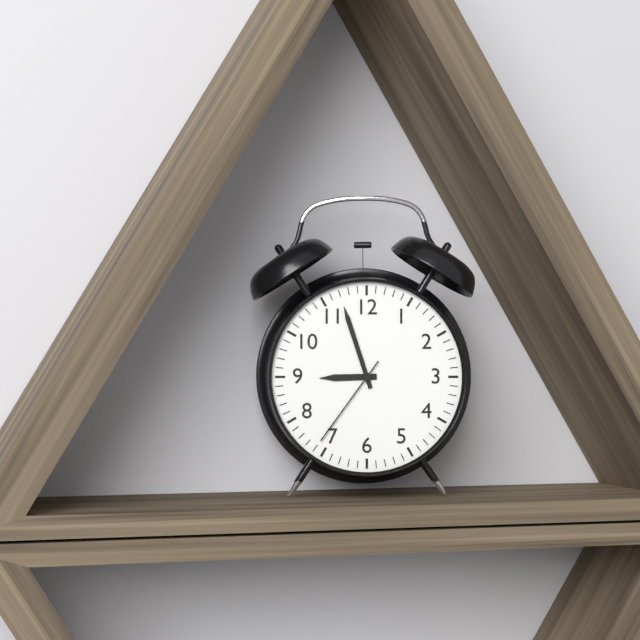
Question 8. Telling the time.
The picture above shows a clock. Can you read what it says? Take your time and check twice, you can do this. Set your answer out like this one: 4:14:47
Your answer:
8:57:36
